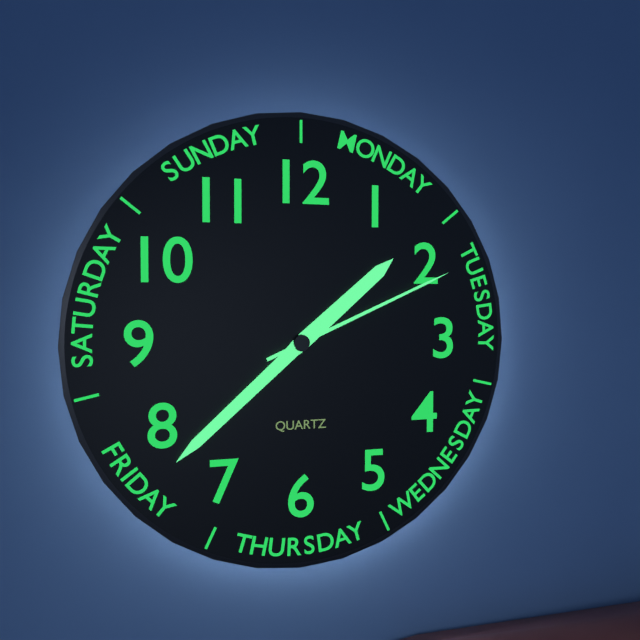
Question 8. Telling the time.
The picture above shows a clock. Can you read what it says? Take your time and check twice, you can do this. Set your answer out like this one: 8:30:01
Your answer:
1:38:11
